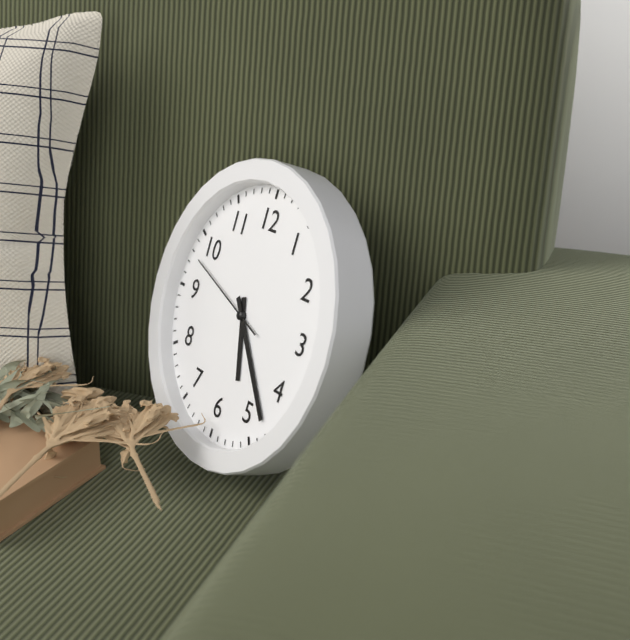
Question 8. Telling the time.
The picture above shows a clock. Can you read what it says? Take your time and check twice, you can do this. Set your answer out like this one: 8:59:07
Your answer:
5:23:48
